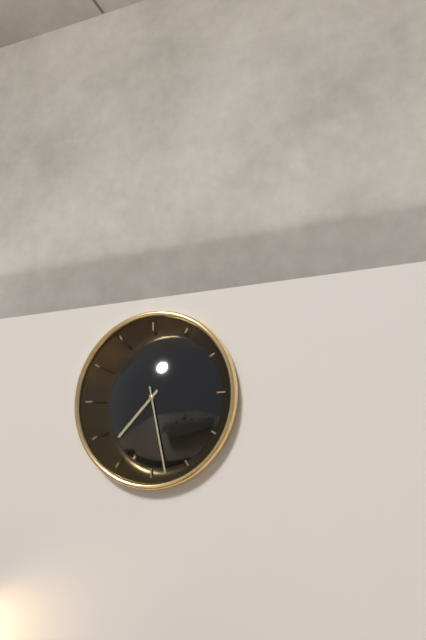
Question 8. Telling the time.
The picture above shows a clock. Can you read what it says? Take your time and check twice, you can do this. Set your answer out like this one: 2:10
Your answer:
7:28
